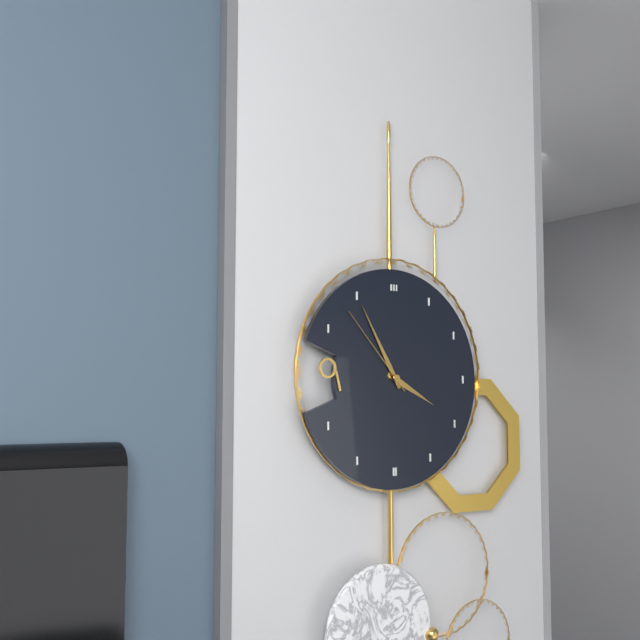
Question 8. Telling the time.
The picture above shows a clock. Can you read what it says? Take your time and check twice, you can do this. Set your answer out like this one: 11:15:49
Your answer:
3:55:53
